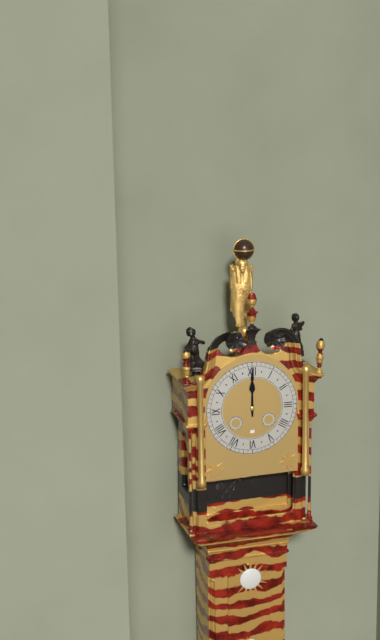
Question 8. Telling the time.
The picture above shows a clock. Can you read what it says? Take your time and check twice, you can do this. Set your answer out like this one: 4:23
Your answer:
12:00
